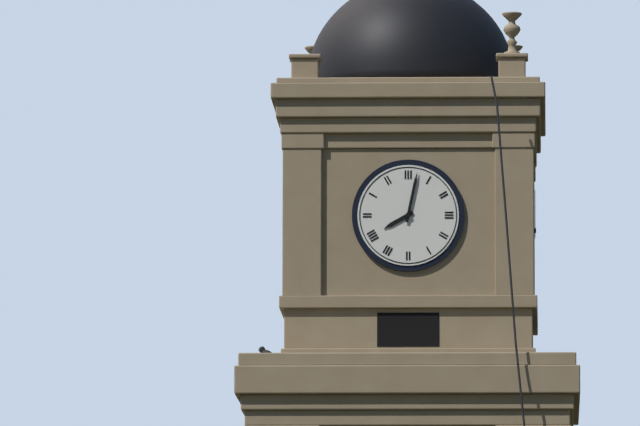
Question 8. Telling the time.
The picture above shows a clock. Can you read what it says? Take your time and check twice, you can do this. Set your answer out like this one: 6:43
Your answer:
8:02
